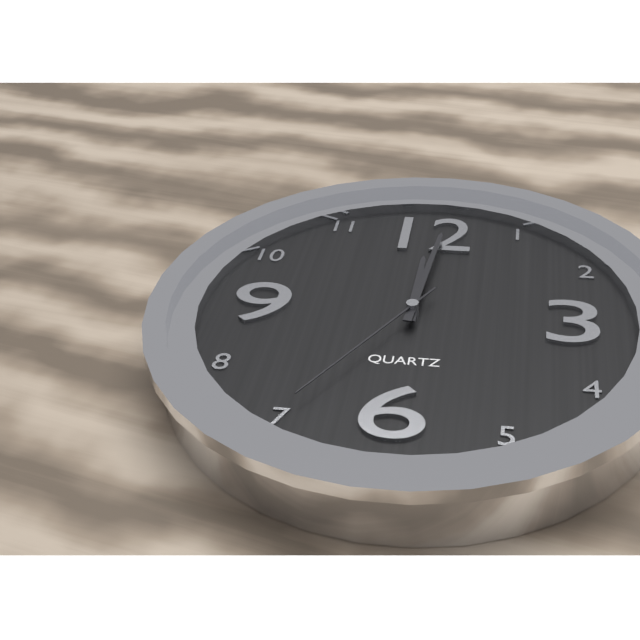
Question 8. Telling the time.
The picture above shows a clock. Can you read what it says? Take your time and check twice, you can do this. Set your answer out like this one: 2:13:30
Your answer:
12:01:35
